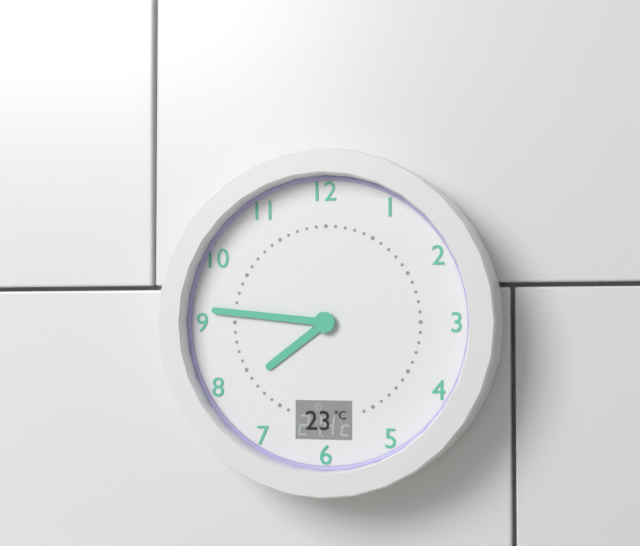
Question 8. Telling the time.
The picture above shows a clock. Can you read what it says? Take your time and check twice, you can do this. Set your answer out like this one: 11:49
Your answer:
7:46
